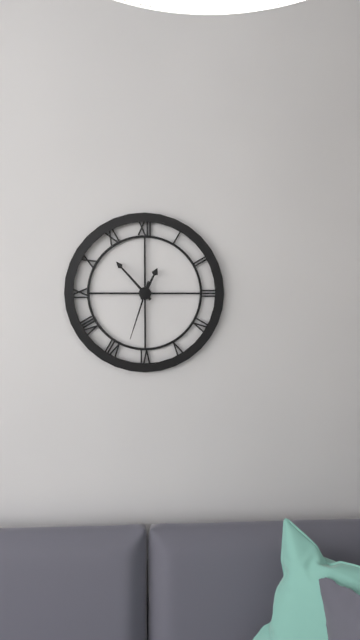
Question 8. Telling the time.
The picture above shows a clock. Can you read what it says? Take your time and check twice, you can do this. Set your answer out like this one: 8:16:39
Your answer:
12:53:33
